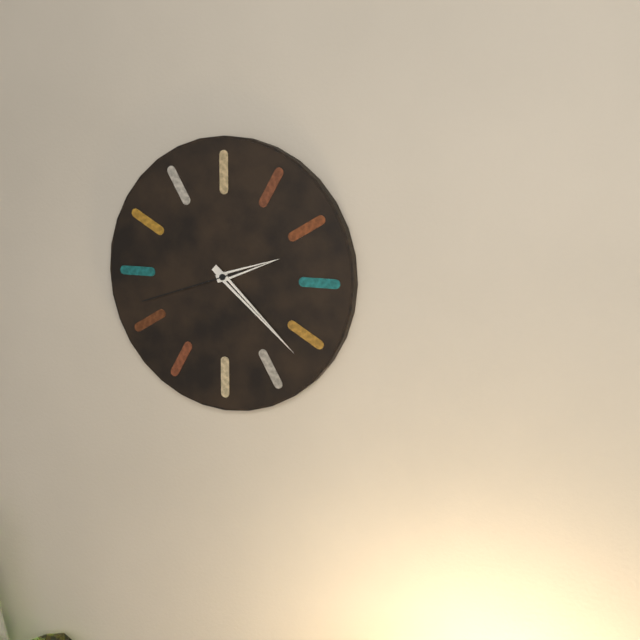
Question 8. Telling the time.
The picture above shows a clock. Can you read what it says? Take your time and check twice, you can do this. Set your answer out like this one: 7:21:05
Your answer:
2:22:42
